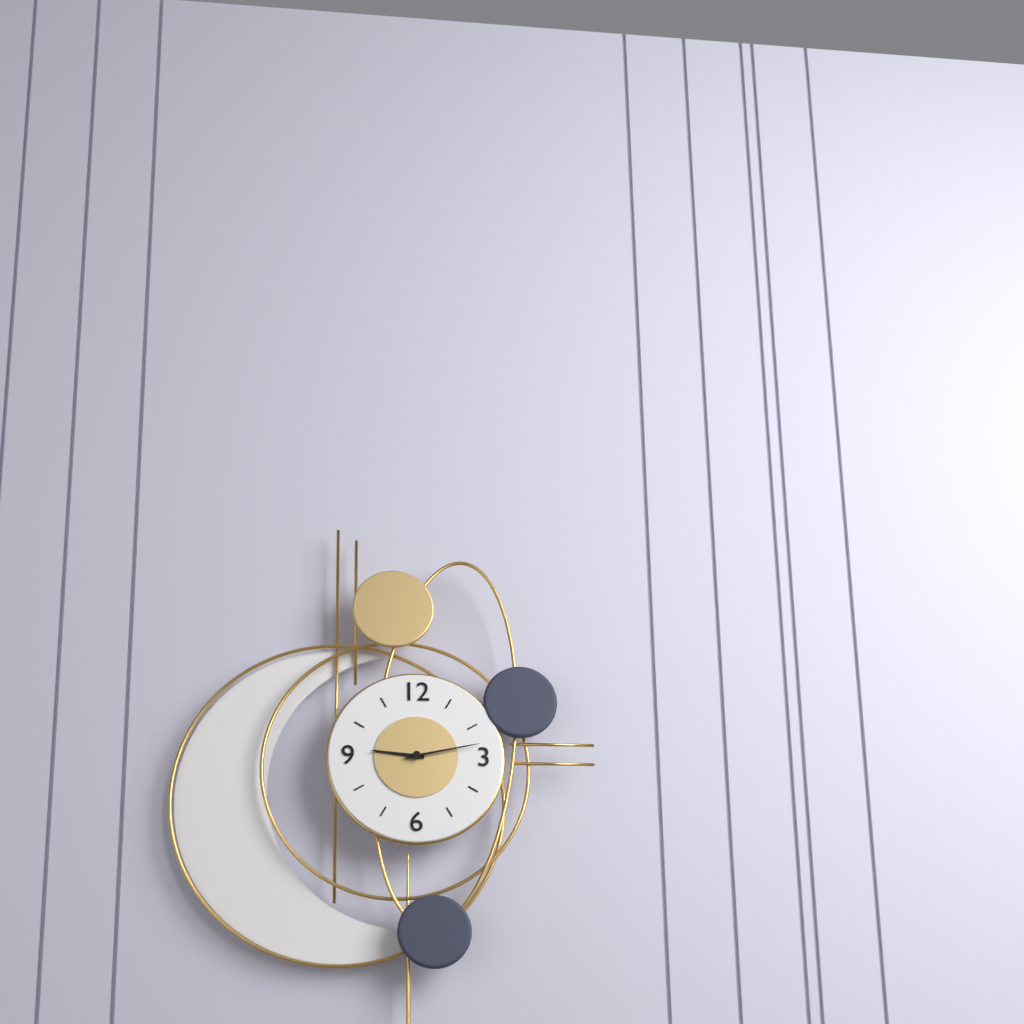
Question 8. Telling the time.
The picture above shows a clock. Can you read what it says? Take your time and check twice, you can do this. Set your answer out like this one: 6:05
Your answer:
9:13
